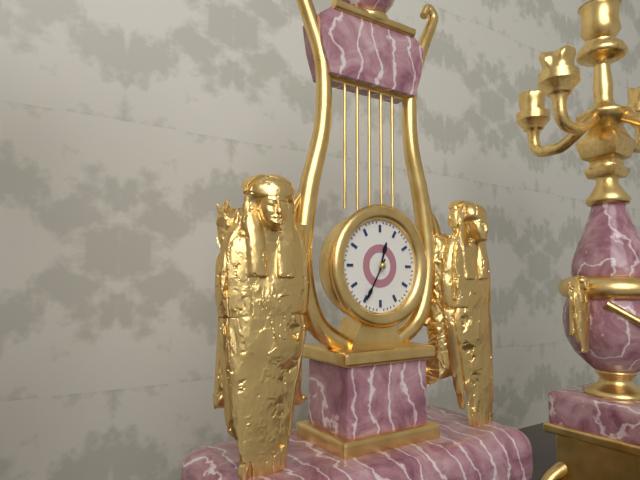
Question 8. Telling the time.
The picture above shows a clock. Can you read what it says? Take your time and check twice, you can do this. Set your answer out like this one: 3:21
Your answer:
12:35
